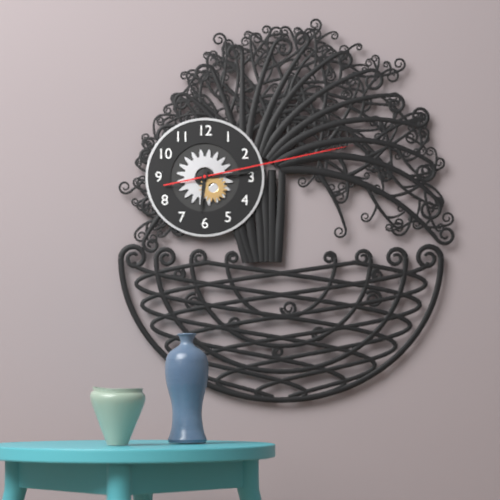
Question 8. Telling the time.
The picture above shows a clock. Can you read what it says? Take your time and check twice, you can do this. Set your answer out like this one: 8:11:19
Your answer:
6:14:13
